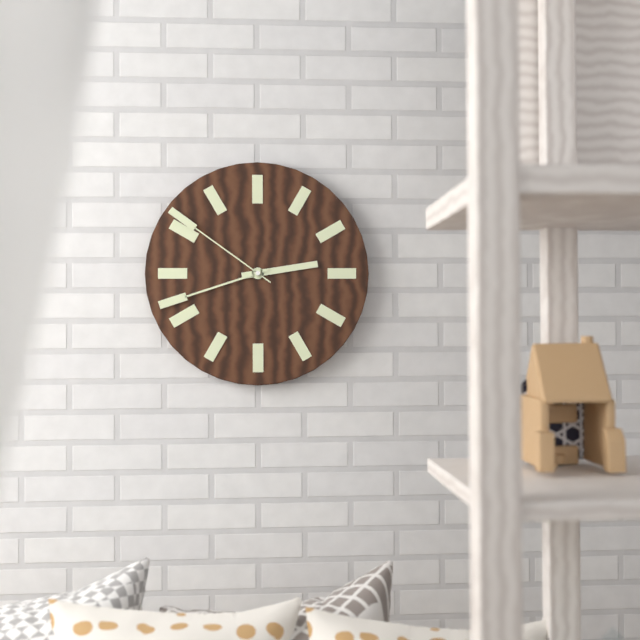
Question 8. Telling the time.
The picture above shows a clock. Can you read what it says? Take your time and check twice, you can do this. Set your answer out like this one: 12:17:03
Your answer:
2:42:51
